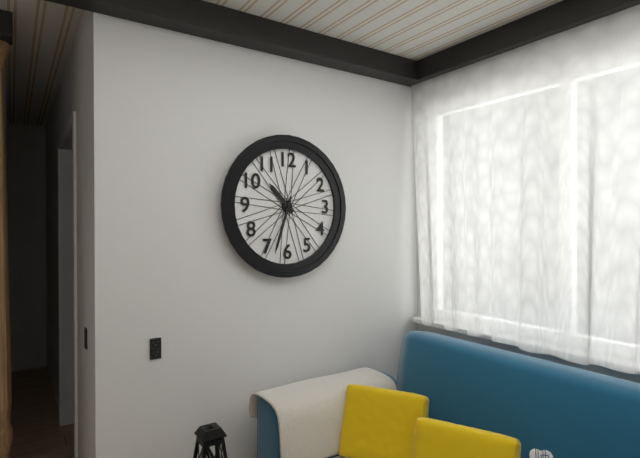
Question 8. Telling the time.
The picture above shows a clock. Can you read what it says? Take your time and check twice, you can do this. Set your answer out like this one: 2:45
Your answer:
10:33
